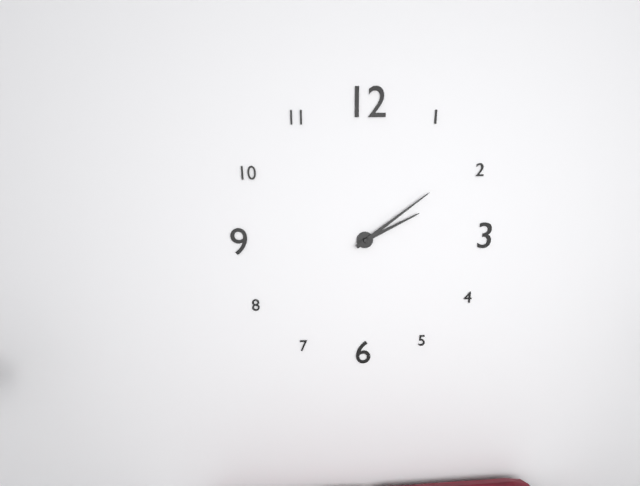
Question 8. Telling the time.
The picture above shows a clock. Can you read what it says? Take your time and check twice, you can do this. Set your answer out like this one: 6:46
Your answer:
2:09
